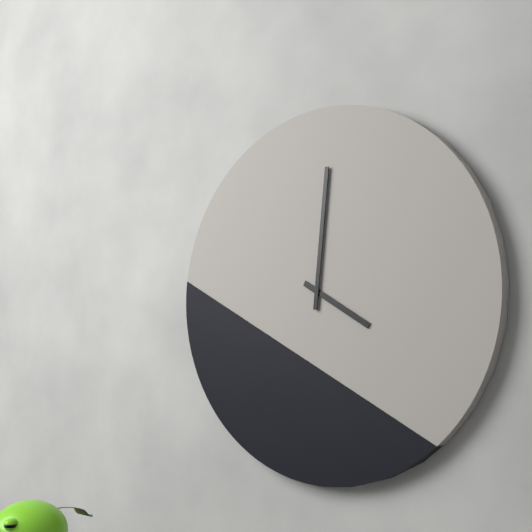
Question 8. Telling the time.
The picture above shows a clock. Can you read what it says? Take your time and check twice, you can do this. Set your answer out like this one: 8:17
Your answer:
4:01
